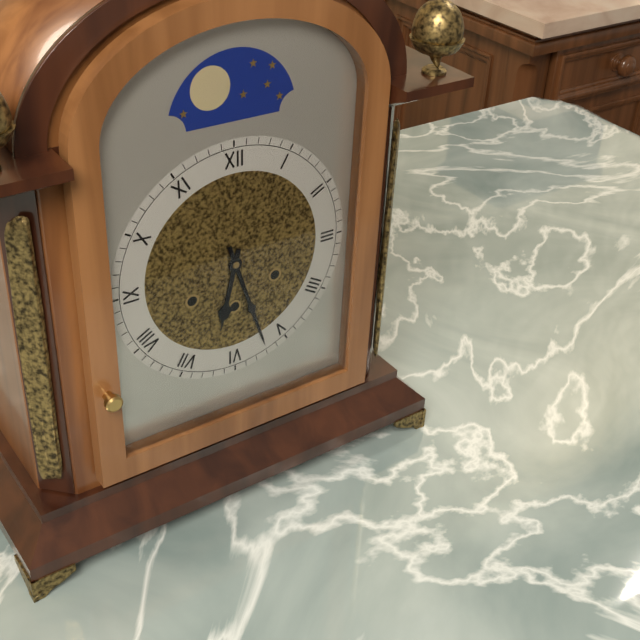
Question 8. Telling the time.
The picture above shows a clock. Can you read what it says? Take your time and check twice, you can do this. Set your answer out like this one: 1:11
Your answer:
6:27
